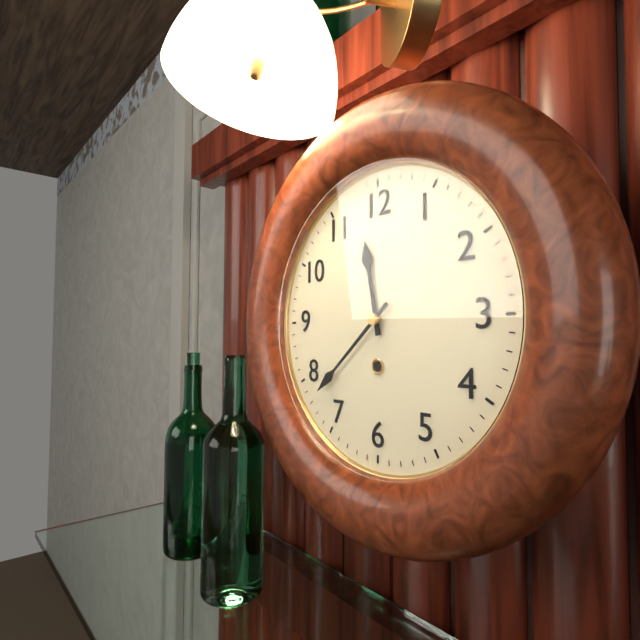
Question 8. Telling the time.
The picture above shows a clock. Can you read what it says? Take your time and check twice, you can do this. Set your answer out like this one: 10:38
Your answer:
11:38
